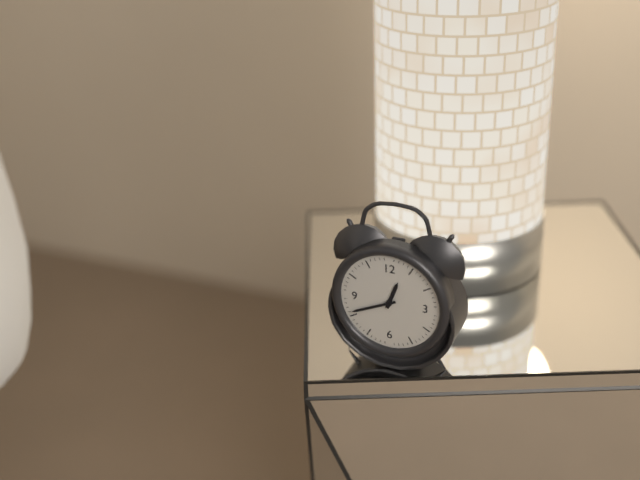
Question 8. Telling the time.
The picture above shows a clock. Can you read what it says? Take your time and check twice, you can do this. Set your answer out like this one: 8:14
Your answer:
12:41
